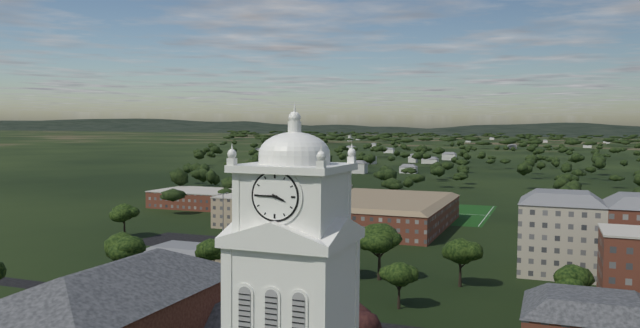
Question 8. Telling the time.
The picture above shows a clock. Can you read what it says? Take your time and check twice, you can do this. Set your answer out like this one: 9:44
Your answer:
3:45
